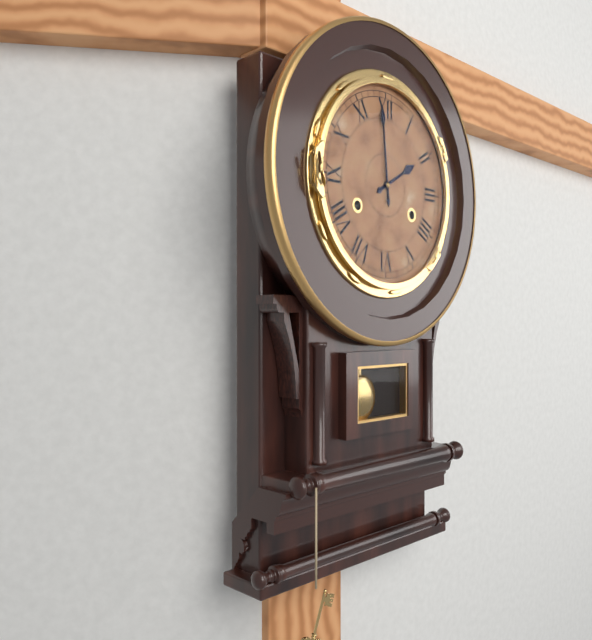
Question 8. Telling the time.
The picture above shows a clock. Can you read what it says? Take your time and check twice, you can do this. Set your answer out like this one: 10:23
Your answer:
1:59
